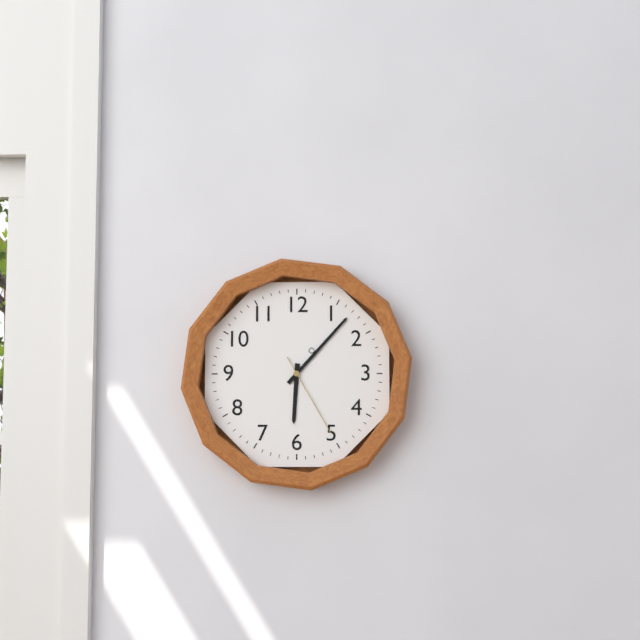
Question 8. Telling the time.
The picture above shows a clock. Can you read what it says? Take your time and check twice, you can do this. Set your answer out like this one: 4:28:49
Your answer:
6:07:25
